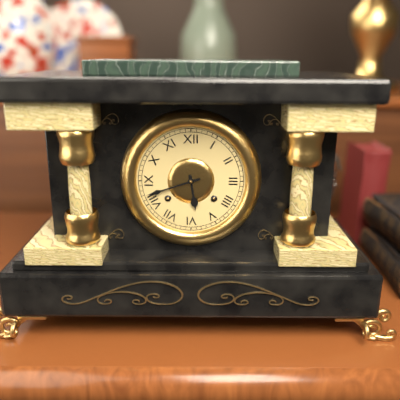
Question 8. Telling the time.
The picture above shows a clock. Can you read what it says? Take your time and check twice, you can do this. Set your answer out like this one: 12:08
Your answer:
5:42
